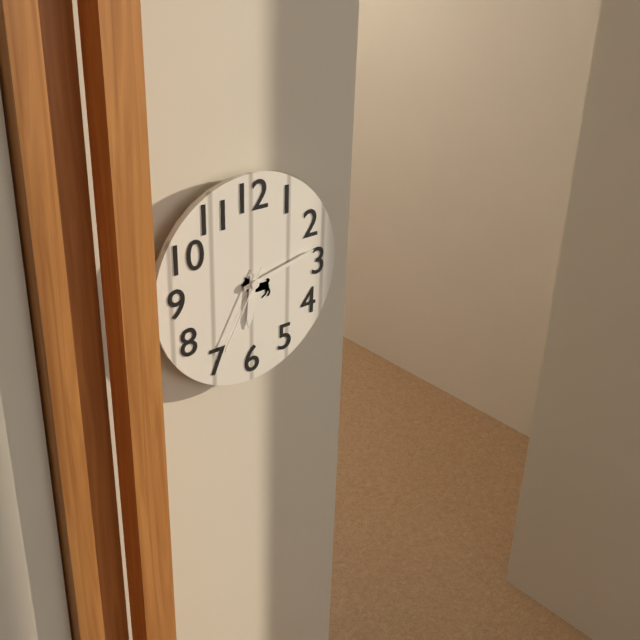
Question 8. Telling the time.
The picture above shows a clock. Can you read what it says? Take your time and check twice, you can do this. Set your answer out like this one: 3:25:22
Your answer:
6:13:35
